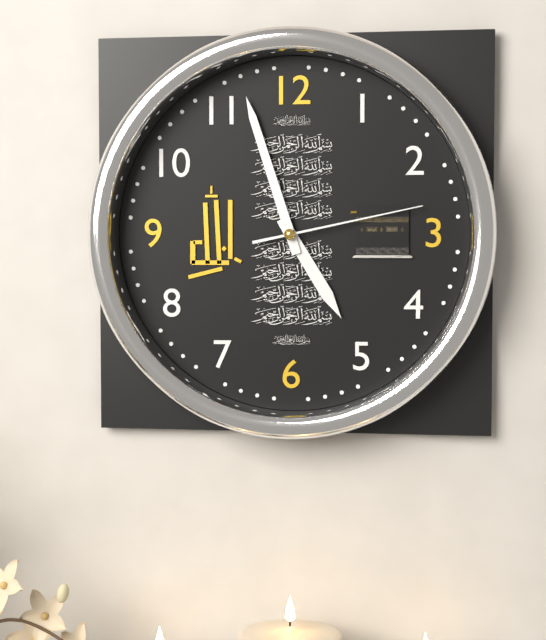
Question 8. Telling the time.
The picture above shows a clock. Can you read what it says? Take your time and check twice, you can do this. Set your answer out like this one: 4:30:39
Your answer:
4:57:13
